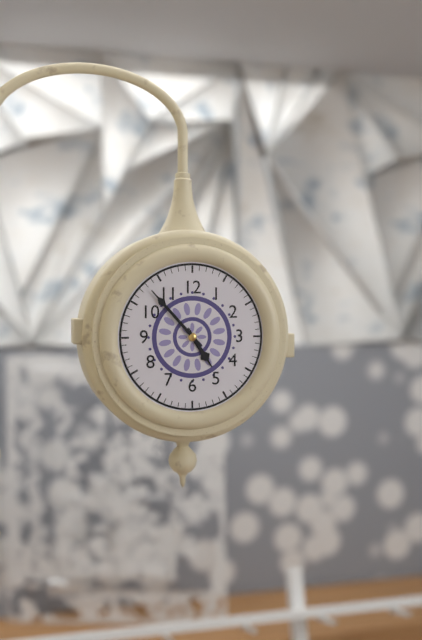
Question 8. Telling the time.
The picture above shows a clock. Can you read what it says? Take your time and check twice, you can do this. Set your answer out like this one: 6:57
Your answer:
4:53
